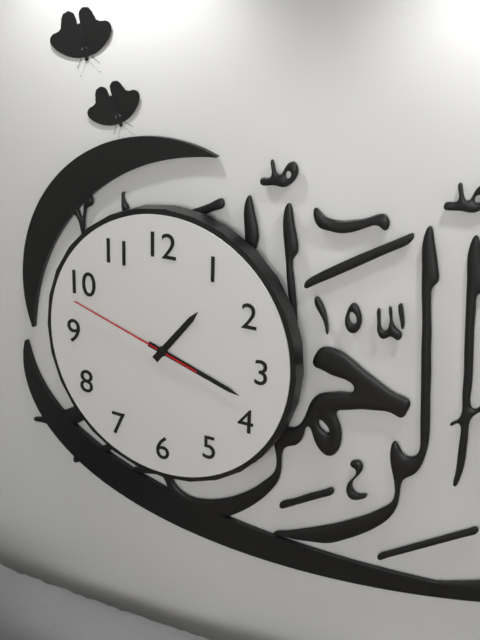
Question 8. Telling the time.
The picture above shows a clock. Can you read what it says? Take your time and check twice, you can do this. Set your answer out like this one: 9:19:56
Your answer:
1:18:48
